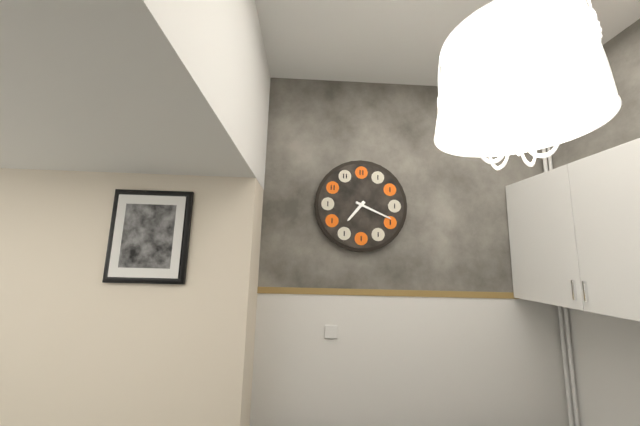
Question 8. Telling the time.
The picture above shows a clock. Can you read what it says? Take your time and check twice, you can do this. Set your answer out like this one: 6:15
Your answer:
7:19
